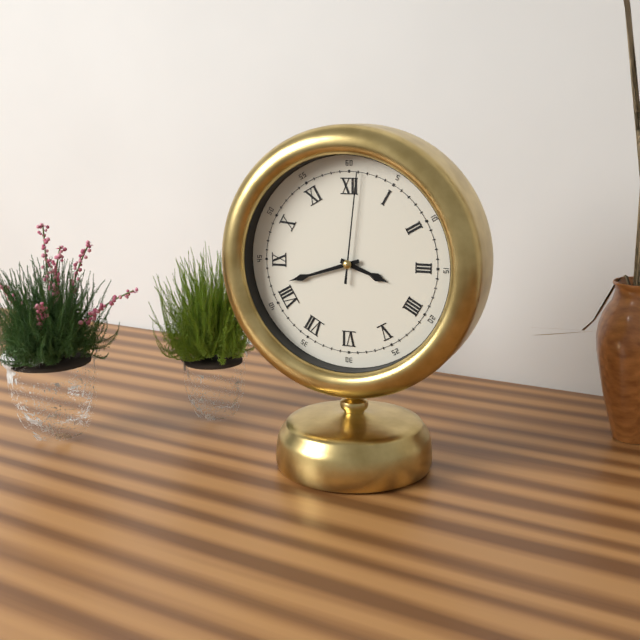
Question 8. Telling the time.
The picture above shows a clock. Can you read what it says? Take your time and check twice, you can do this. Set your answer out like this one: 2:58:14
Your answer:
3:42:01
